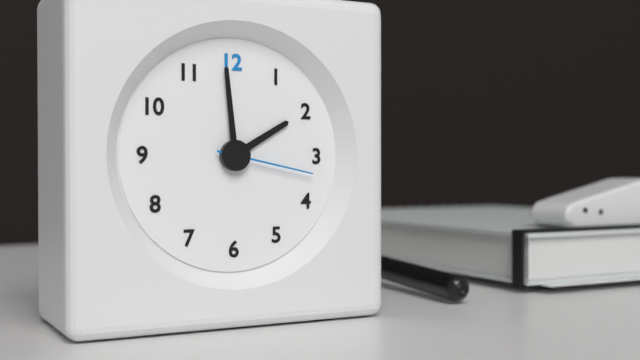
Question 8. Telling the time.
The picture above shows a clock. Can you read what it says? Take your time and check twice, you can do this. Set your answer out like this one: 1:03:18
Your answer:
1:59:17
